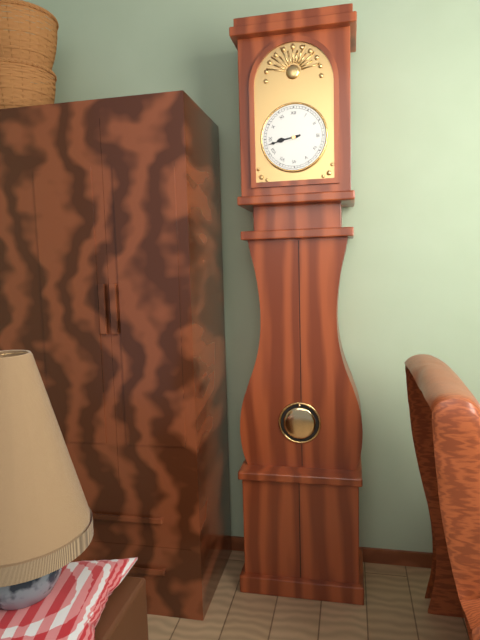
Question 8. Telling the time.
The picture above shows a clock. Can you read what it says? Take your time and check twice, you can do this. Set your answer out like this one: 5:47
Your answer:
8:43
